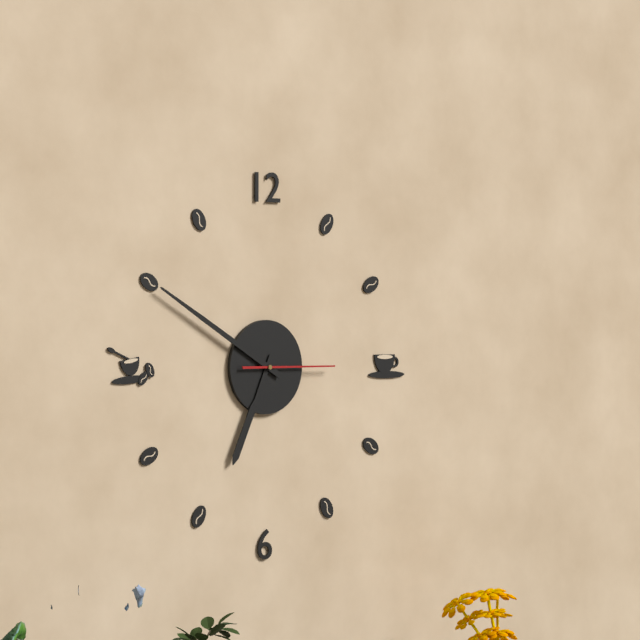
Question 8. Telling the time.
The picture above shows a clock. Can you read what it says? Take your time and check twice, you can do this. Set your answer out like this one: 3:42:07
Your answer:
6:50:15
